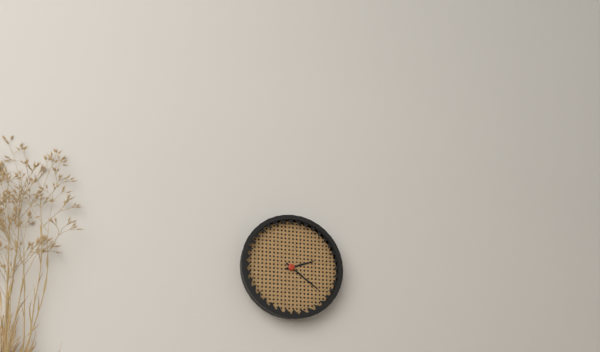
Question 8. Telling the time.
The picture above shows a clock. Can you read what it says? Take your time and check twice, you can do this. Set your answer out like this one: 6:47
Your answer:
2:21
